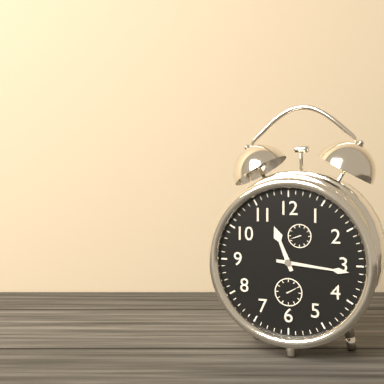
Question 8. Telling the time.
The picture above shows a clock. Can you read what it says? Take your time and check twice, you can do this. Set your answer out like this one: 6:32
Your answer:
11:16
